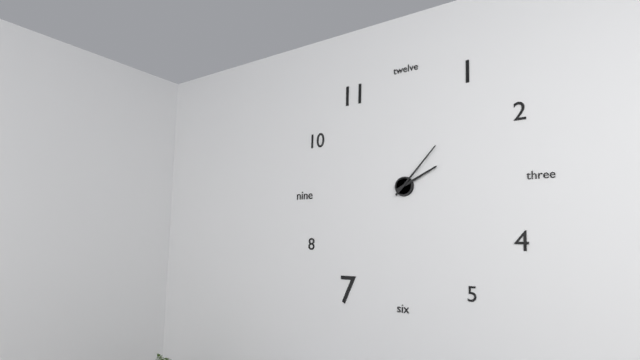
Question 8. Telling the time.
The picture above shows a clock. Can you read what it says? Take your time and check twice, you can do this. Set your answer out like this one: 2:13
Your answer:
2:07
